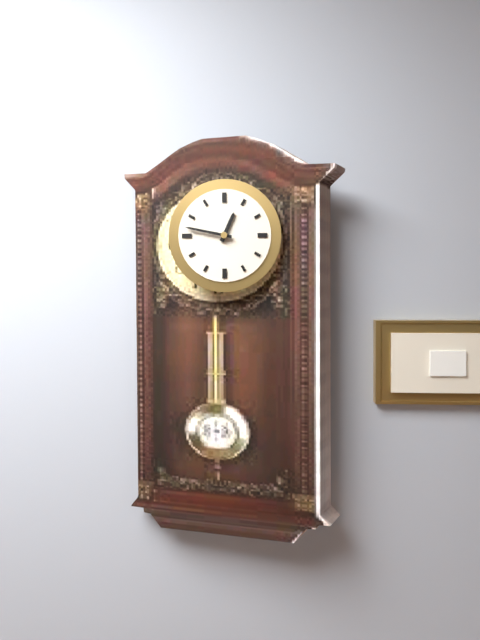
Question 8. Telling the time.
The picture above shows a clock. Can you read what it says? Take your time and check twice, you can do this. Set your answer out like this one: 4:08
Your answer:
12:47
